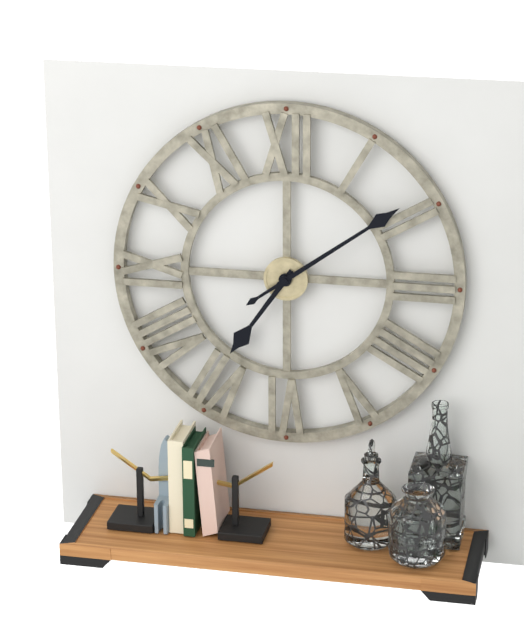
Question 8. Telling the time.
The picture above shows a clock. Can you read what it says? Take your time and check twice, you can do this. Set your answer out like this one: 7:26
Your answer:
7:09
